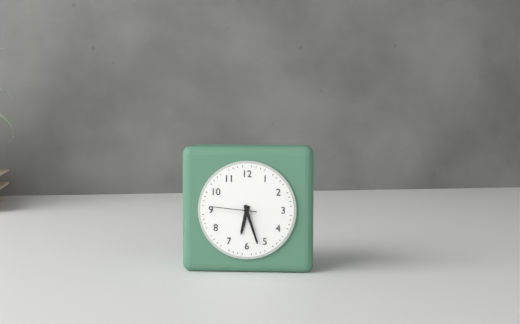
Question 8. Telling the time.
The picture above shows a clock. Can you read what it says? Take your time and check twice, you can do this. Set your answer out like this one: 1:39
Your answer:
6:27
